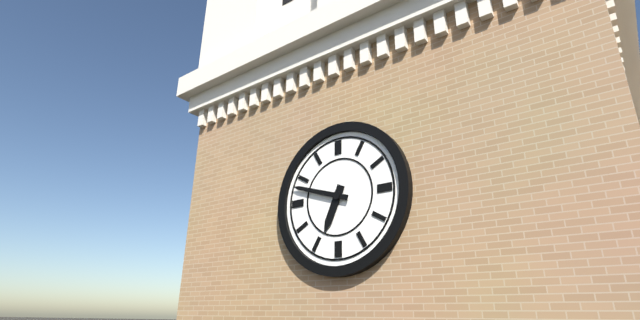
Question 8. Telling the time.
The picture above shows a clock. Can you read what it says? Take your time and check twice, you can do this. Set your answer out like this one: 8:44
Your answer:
6:48
